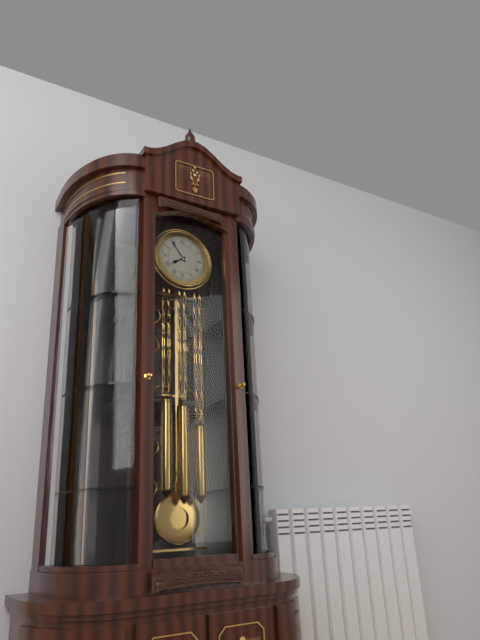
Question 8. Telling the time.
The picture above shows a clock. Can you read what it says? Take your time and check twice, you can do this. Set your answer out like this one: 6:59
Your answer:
7:54
